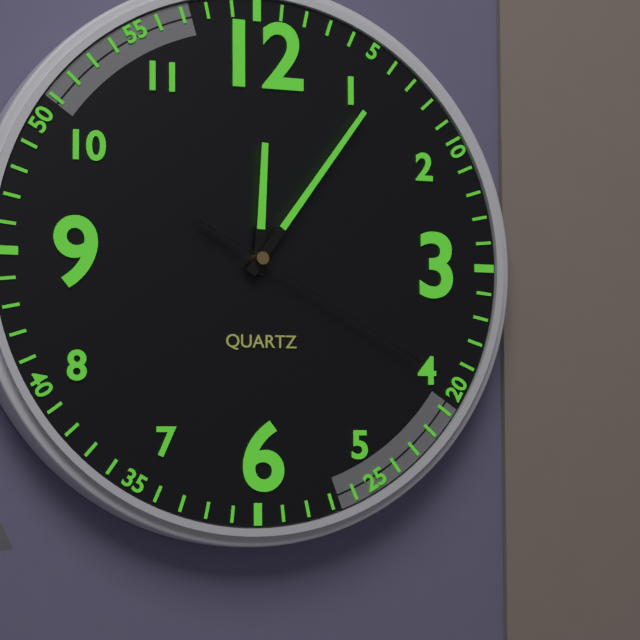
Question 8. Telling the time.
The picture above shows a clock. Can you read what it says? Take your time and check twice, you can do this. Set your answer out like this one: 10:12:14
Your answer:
12:06:20
